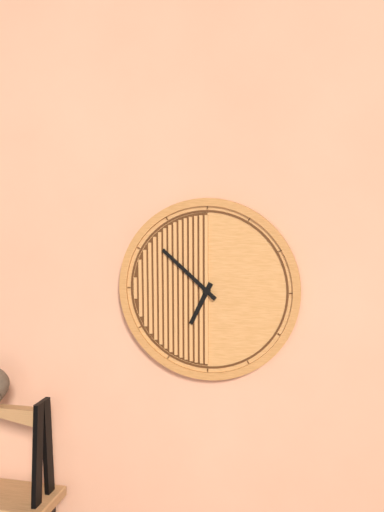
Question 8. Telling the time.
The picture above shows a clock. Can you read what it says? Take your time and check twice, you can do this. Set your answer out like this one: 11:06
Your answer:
6:52
